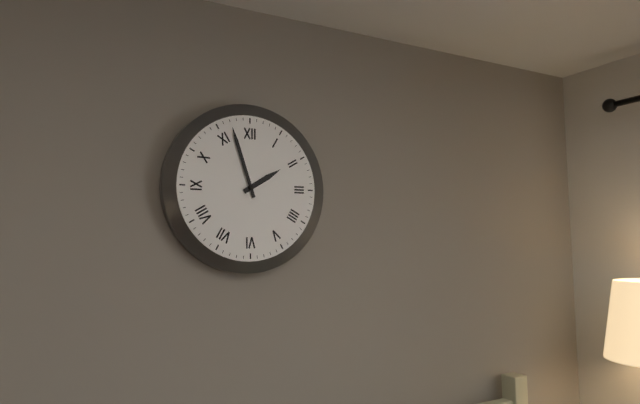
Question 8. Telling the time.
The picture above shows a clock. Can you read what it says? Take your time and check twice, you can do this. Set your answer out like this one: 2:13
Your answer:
1:57
